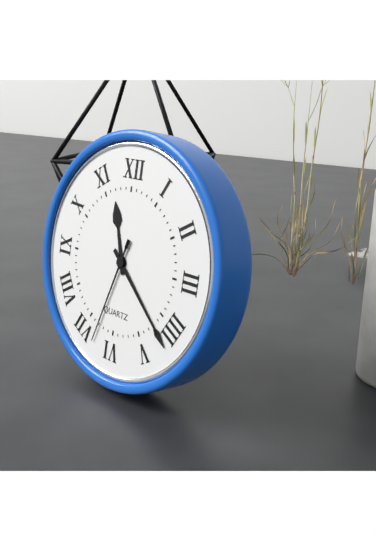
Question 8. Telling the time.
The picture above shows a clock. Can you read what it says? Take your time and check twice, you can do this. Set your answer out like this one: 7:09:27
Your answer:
11:22:33
